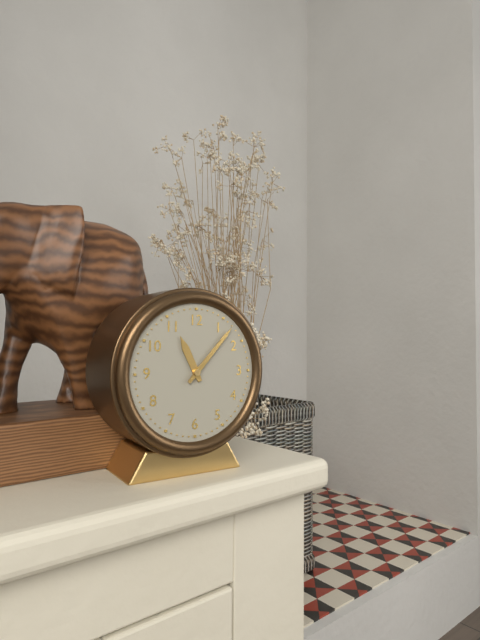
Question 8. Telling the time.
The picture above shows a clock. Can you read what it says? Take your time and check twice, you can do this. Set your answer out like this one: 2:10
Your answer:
11:07
